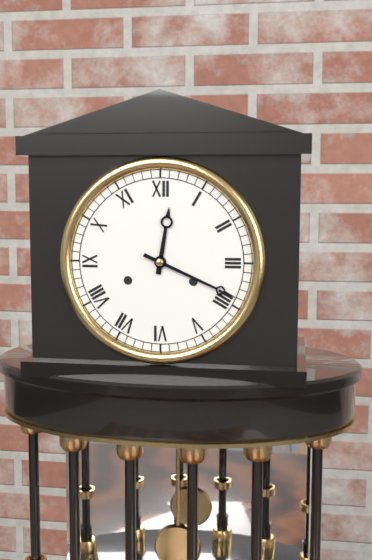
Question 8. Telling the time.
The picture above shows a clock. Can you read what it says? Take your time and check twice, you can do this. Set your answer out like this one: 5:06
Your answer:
12:19
